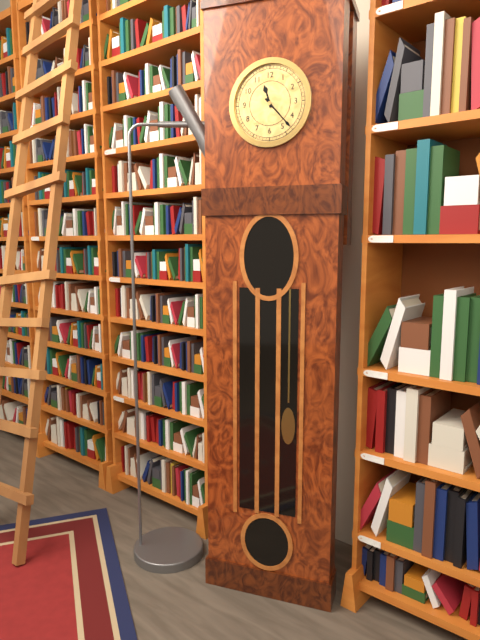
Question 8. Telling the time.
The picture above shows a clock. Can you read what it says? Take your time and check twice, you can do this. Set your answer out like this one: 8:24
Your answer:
11:23
